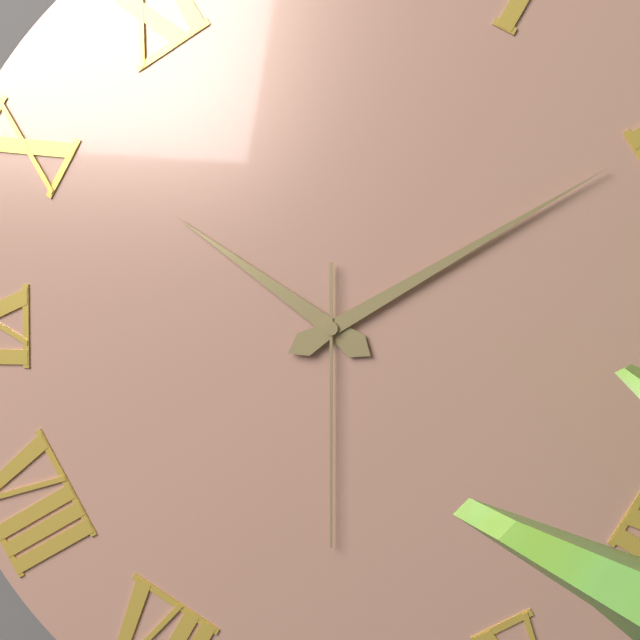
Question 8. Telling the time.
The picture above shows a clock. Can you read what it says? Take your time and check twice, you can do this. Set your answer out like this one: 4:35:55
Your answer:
10:10:30
